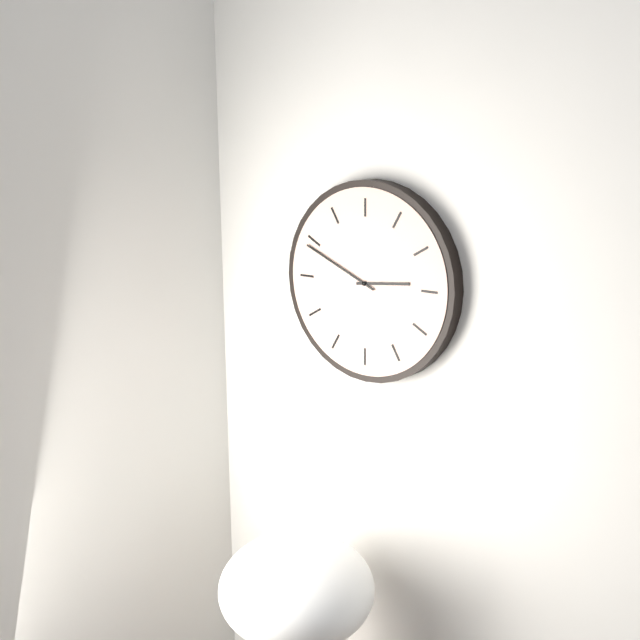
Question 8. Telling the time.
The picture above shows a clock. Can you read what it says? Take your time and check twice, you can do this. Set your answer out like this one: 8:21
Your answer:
2:49
